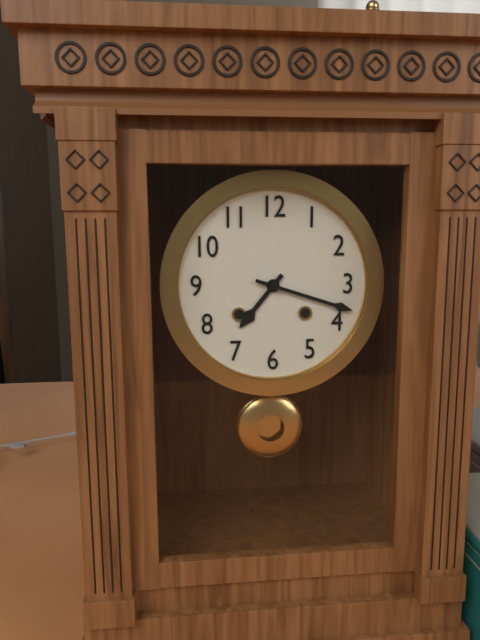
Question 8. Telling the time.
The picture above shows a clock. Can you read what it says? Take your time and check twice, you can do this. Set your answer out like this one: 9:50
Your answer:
7:18
